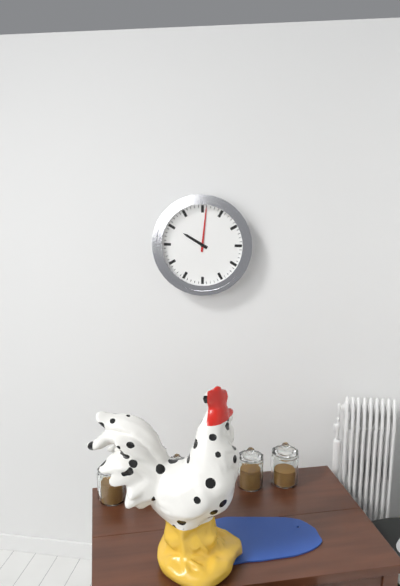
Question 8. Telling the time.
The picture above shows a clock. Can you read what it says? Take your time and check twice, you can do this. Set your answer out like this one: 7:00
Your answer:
10:01
